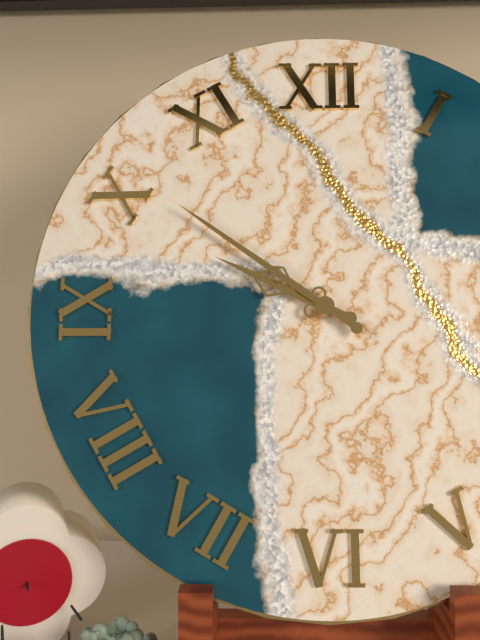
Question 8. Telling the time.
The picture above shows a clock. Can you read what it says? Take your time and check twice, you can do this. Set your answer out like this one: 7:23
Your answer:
9:51
